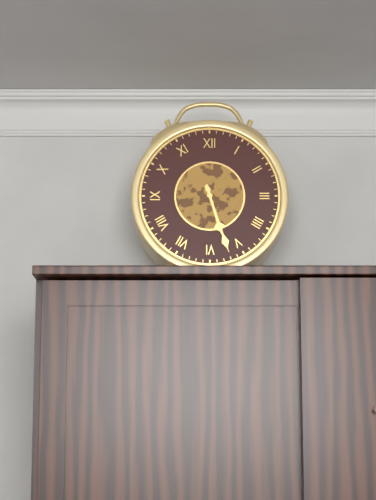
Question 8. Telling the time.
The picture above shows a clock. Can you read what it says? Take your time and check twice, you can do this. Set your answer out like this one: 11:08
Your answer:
5:27
